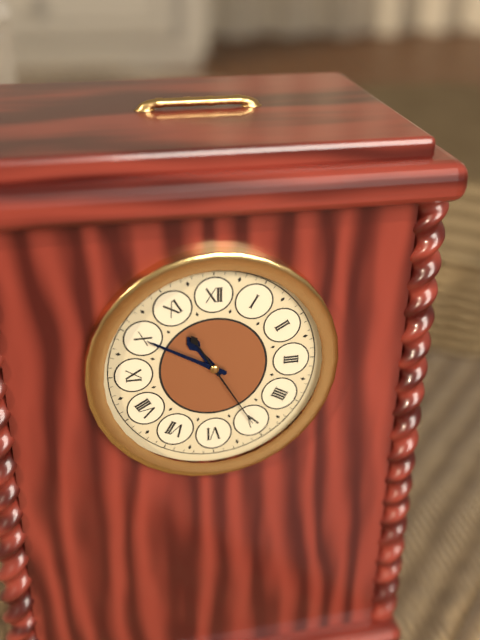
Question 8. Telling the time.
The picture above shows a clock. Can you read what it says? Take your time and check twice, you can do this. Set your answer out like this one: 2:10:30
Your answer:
10:50:25
